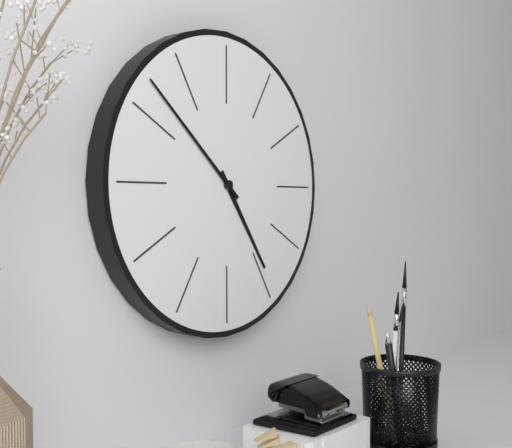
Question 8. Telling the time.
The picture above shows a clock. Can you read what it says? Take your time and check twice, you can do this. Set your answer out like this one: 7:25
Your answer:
4:52
